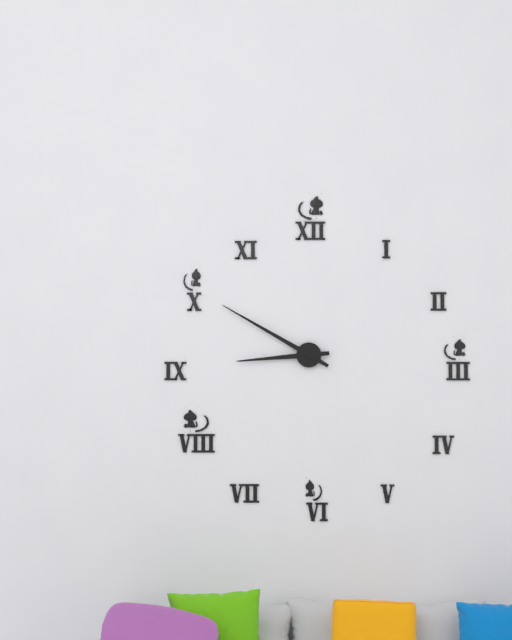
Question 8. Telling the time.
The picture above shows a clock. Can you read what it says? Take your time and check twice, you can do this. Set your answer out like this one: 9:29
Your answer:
8:50
